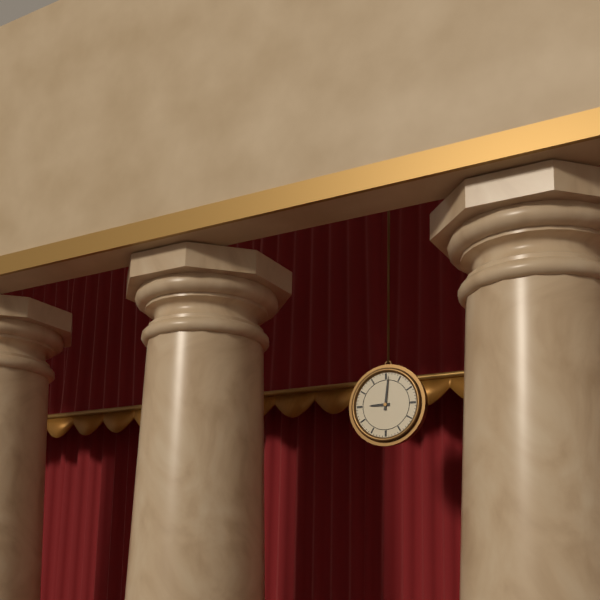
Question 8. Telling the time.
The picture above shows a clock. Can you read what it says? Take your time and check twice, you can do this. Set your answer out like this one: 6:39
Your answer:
9:01
